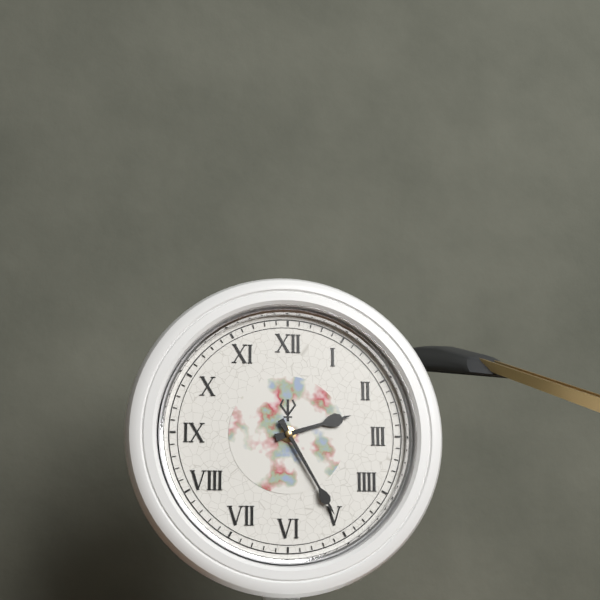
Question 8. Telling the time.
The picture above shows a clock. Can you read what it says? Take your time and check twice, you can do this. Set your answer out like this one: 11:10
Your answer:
2:25
